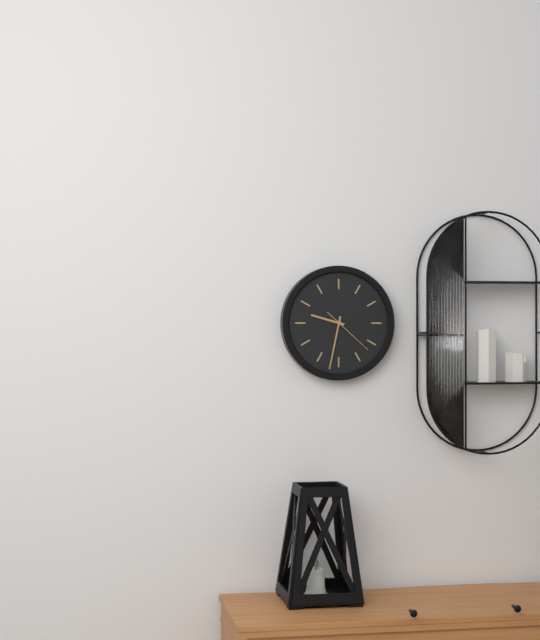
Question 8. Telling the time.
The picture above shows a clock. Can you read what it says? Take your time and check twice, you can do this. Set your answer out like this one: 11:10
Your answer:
9:32
